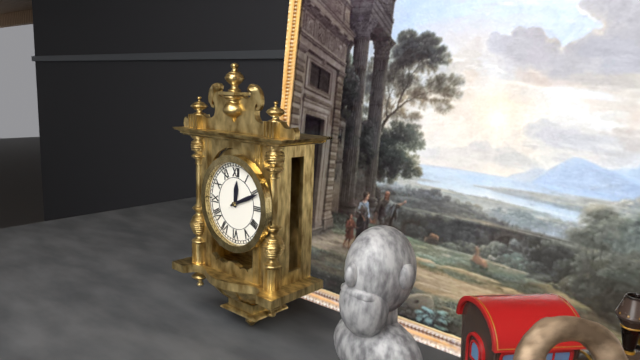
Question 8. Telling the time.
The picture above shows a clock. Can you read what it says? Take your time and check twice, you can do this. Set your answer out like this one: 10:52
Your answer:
12:11
